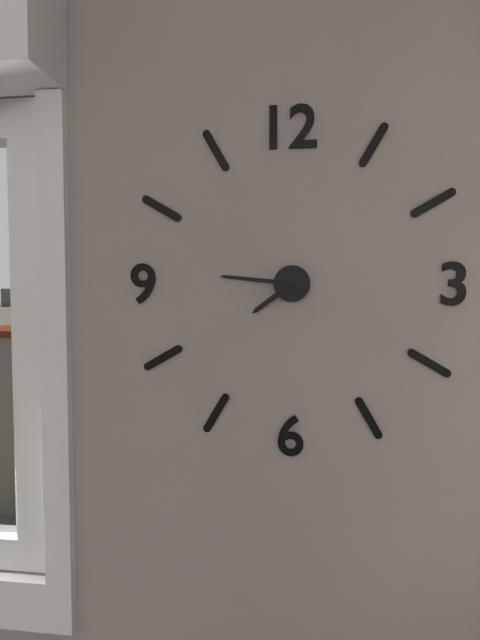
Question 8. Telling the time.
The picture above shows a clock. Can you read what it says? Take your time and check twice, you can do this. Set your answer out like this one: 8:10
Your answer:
7:46
